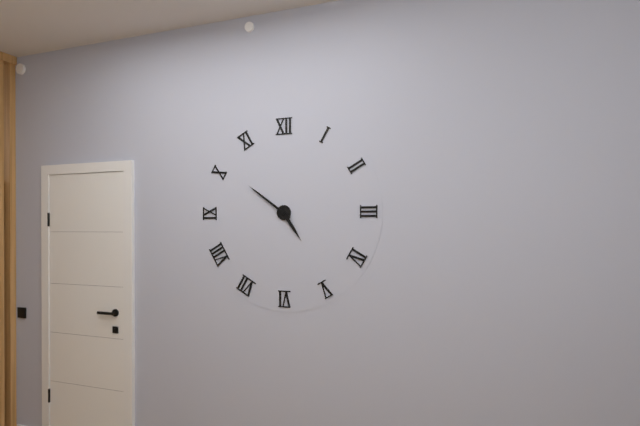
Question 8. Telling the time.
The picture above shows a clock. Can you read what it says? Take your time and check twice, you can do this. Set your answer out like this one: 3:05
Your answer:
4:51
